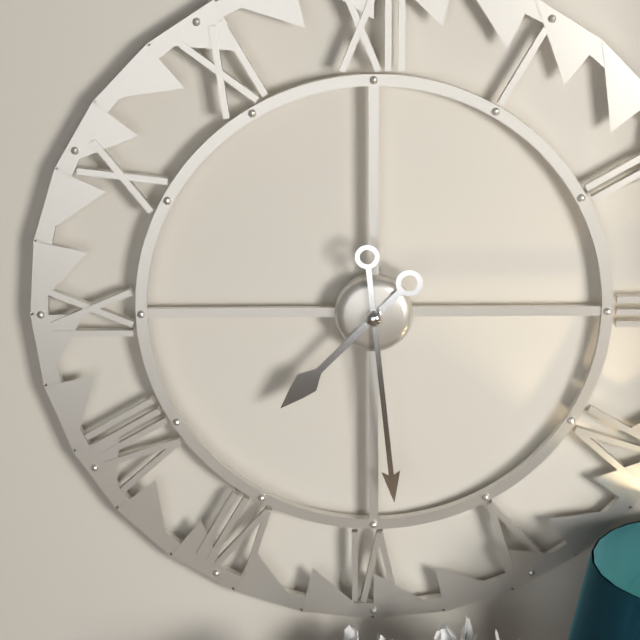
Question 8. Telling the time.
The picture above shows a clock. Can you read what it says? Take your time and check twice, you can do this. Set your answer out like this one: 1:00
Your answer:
7:29
